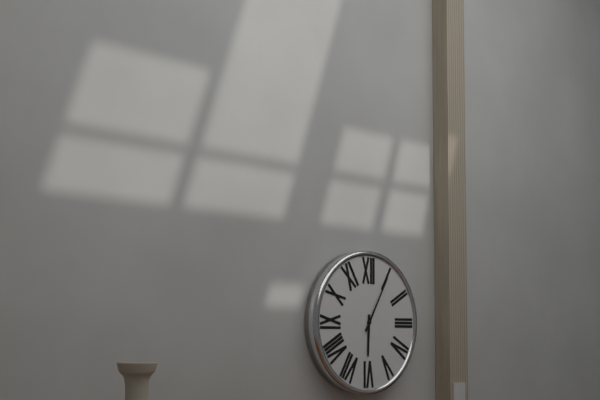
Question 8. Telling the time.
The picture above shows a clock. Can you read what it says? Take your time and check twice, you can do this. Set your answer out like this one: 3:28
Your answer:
6:05
